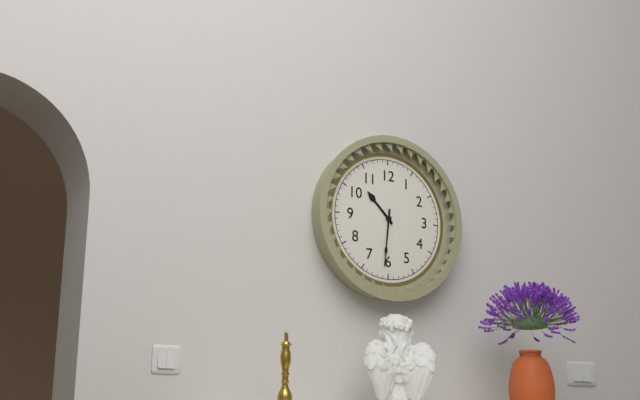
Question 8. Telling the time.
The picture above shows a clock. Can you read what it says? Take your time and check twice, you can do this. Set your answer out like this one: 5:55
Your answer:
10:31
